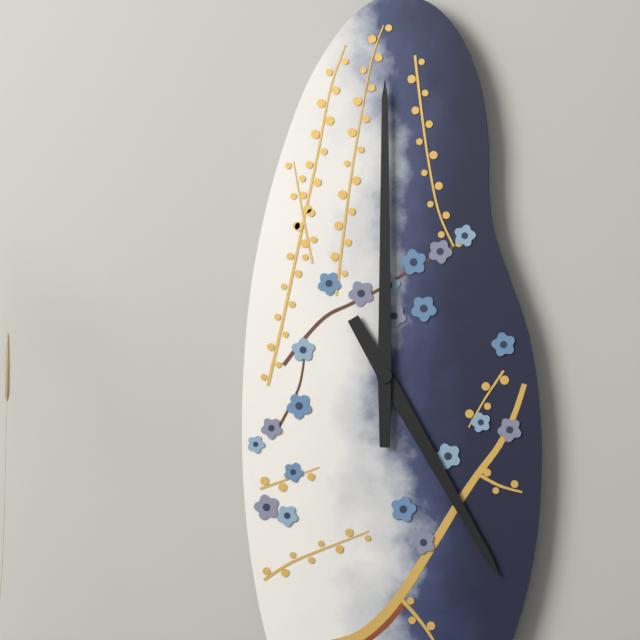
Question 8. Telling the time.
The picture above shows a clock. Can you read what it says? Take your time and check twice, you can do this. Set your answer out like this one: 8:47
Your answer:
5:00
